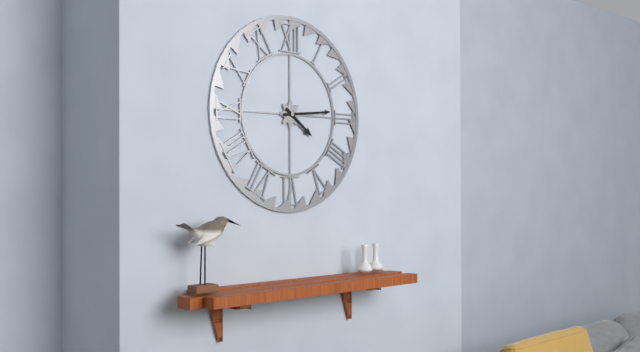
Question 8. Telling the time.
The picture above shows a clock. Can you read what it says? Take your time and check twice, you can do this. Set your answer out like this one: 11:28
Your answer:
4:14
